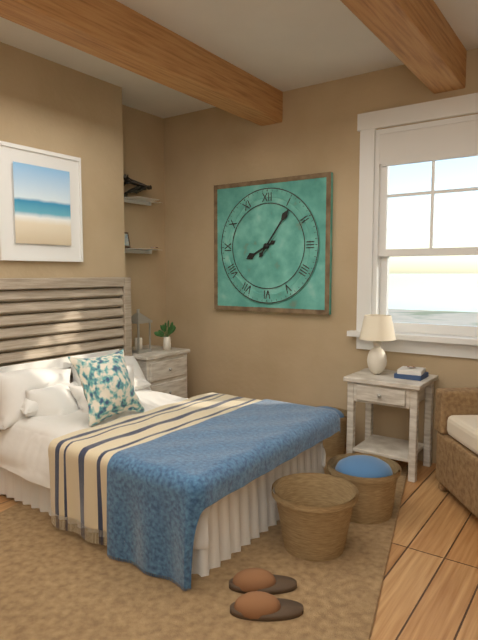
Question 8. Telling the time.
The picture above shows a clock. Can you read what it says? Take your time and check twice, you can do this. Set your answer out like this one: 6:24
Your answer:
8:06
